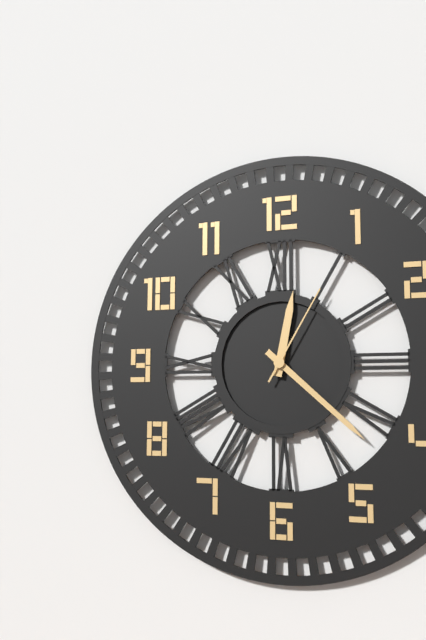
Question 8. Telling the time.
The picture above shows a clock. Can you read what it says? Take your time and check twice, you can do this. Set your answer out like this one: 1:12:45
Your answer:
12:22:05
